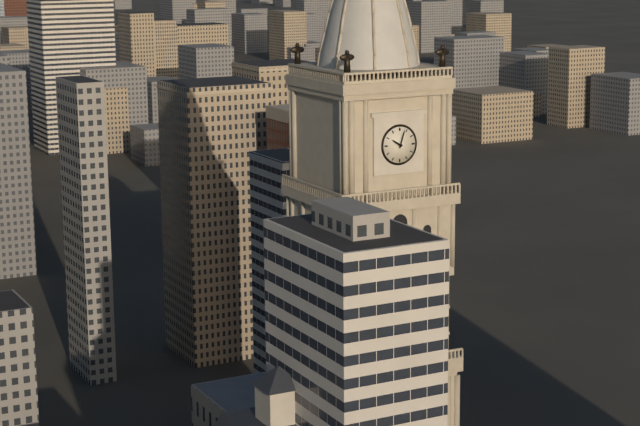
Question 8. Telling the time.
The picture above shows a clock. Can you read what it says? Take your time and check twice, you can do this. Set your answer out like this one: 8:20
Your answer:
10:03
